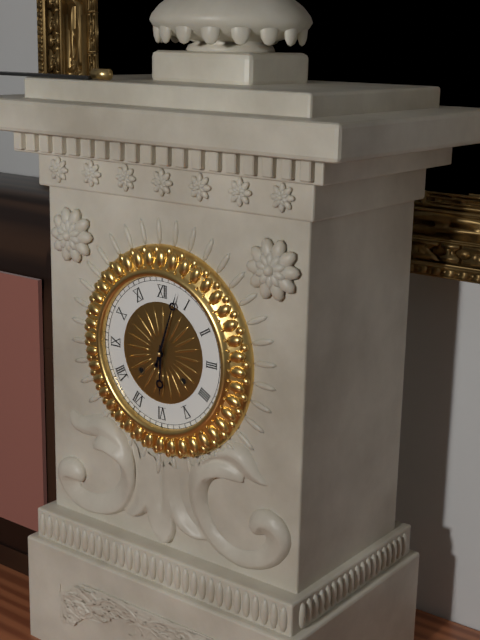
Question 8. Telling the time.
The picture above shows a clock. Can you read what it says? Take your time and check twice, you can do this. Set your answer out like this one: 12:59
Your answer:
6:03
